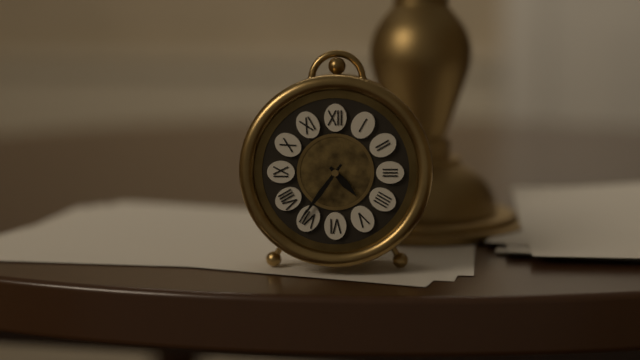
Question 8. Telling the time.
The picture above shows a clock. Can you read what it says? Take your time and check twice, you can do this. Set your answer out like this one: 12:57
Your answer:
4:36
